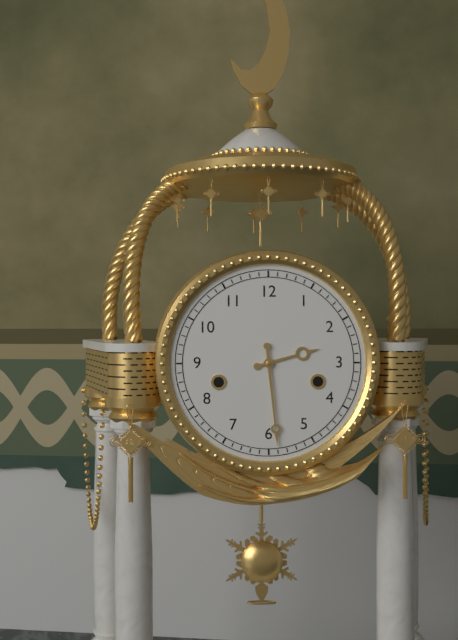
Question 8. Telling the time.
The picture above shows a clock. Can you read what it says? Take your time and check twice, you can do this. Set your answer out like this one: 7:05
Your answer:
2:29
